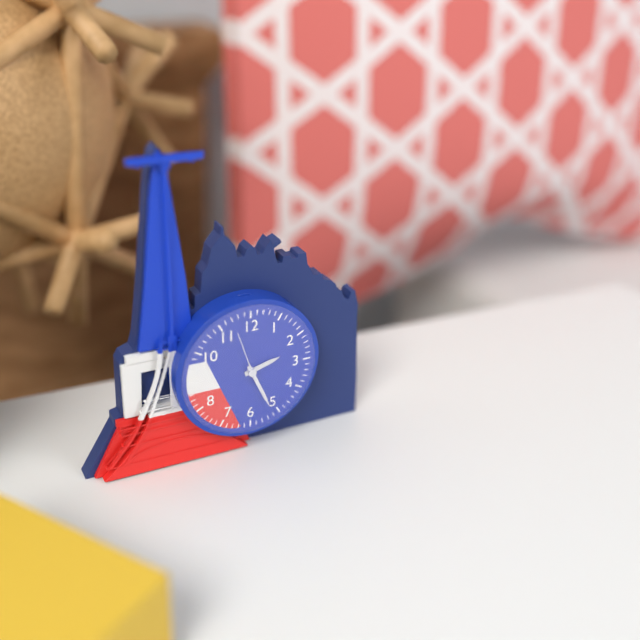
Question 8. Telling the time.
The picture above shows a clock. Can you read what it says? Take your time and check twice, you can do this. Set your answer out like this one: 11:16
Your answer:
2:26
